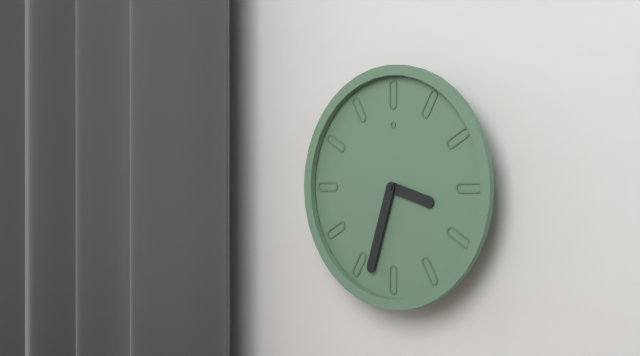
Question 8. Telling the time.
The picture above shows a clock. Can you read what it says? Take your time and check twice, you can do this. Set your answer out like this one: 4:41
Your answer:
3:33
